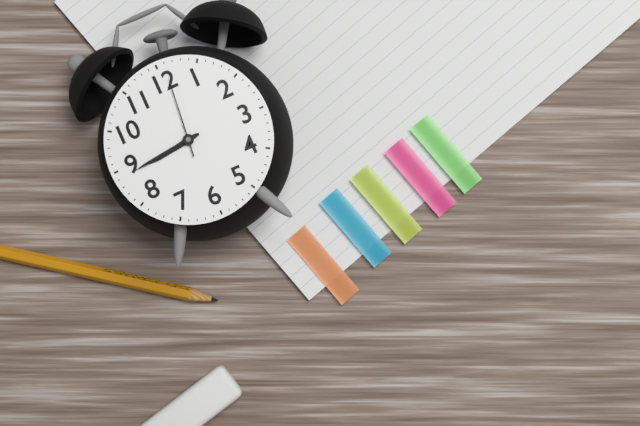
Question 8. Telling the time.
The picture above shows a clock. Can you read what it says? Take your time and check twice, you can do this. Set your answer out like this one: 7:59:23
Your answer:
8:44:01
